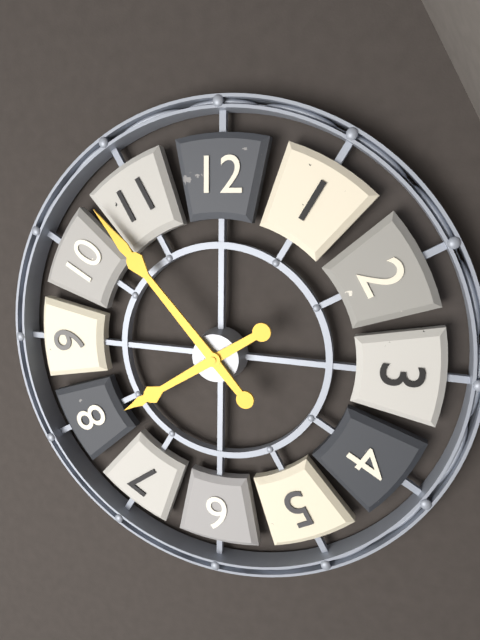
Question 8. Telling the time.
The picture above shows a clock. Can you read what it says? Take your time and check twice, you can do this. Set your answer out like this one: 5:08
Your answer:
7:53
